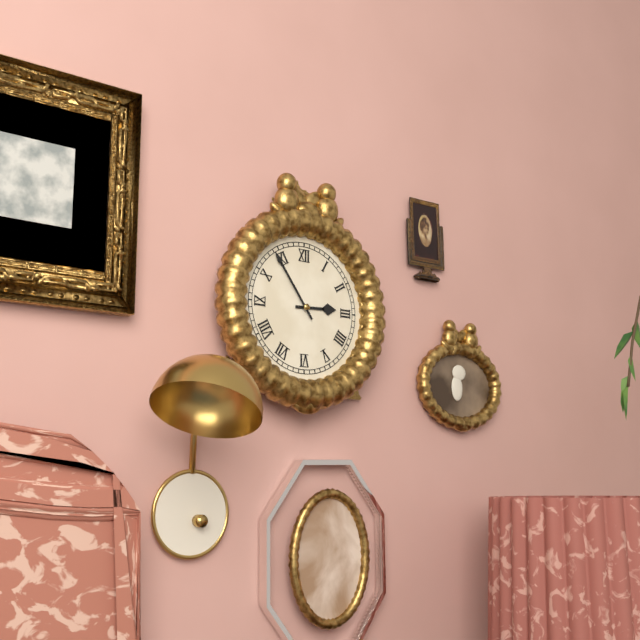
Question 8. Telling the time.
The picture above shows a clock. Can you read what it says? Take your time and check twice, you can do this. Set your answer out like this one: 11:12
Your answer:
2:54
